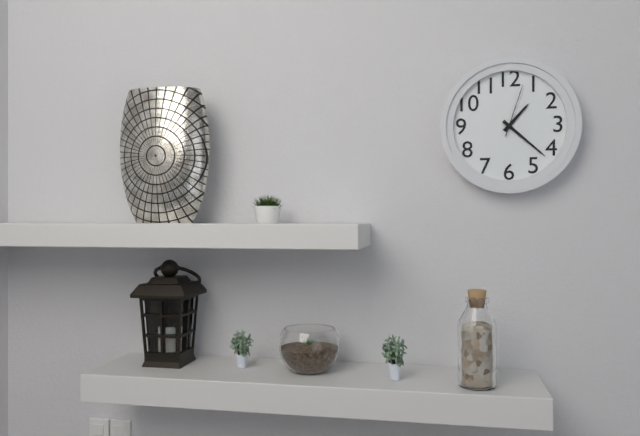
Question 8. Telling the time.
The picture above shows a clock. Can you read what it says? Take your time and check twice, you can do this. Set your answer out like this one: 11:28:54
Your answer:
1:22:03
